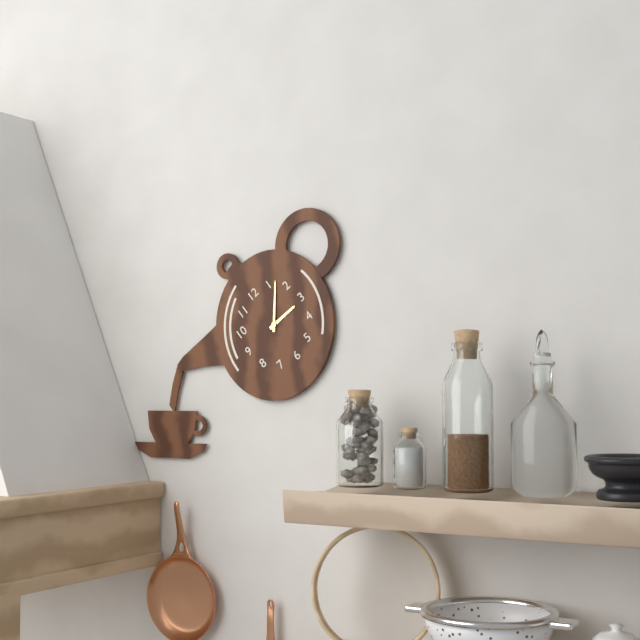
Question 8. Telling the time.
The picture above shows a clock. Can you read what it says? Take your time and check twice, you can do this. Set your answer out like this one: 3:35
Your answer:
3:07
